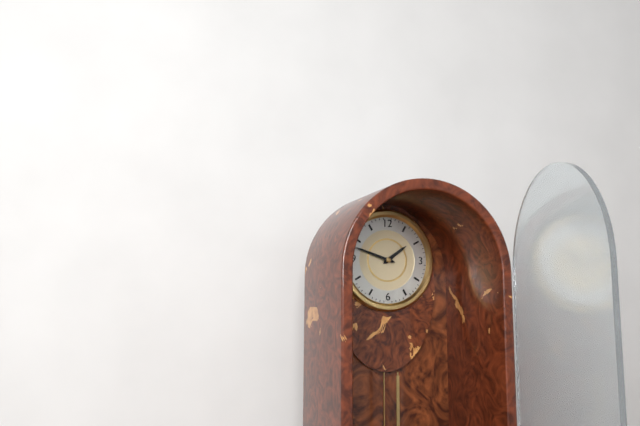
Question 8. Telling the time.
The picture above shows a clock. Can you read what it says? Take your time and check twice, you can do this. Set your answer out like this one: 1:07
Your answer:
1:48
